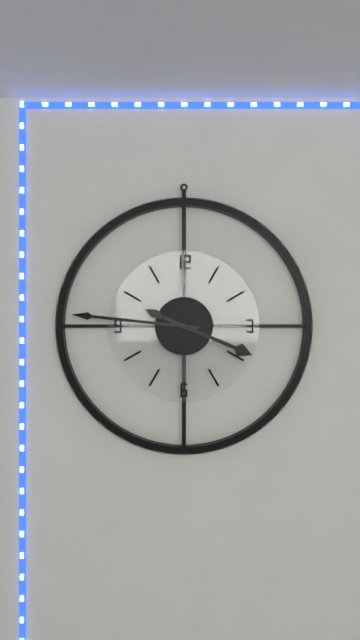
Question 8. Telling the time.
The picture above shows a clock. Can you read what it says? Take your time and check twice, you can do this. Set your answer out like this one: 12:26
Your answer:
3:46
